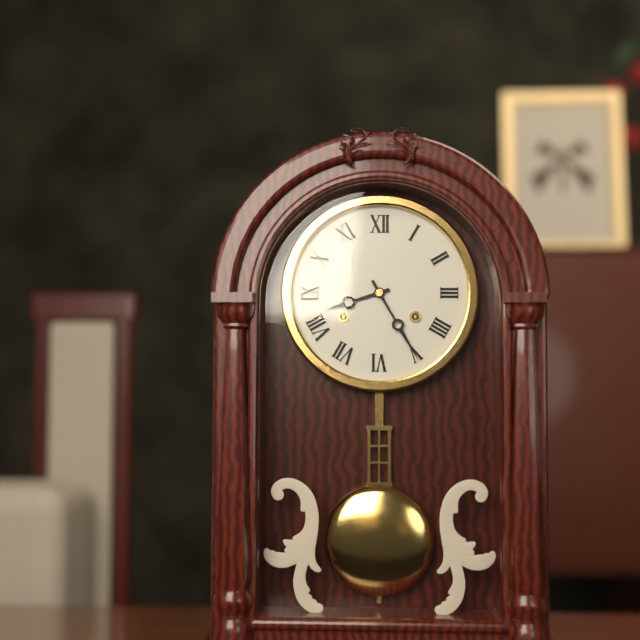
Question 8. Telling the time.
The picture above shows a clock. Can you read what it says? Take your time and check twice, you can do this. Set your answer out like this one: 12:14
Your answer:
8:25
